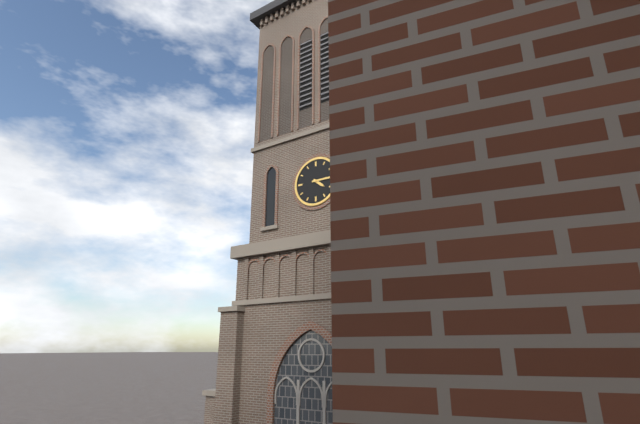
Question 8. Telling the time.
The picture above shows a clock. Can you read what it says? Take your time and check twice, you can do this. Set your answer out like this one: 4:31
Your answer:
4:15
